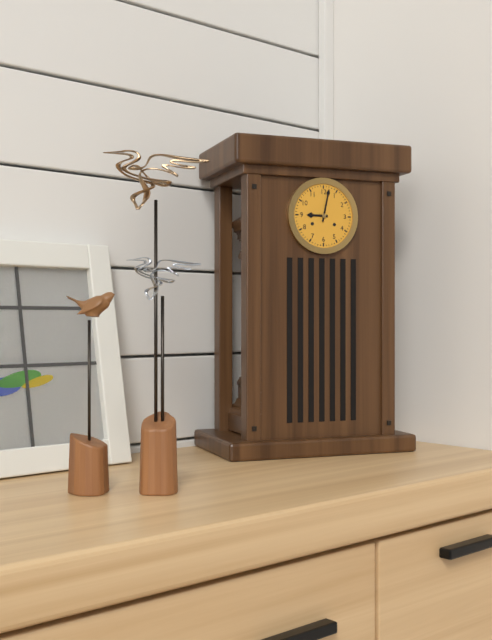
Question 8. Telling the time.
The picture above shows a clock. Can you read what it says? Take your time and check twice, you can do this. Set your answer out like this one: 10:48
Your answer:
9:02
